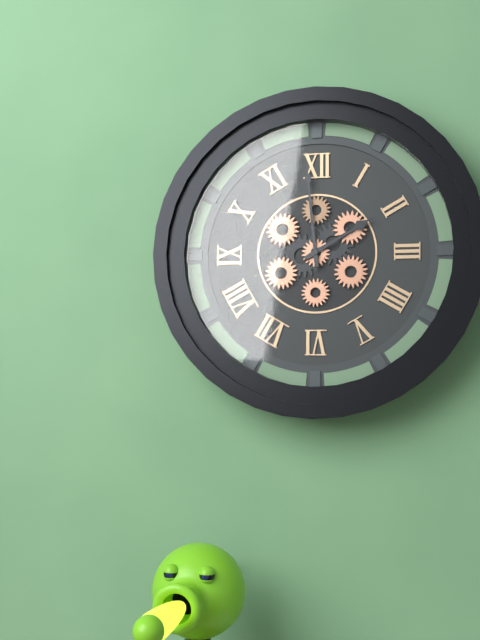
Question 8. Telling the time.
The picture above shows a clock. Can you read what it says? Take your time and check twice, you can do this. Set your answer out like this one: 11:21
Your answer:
1:59
